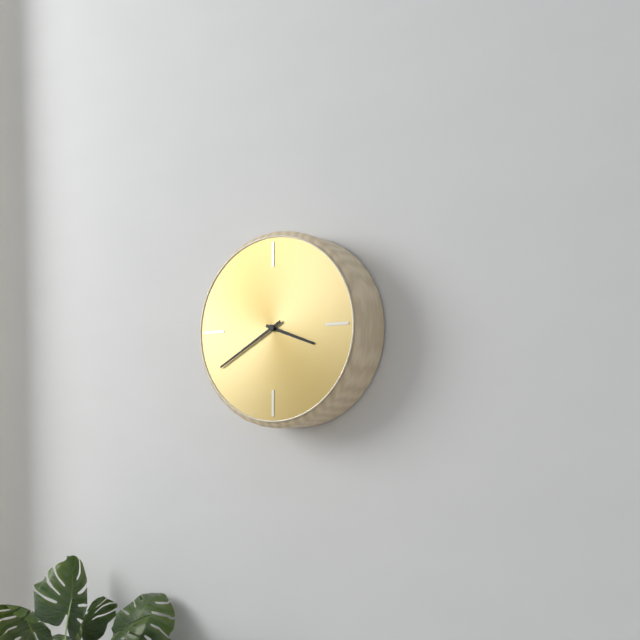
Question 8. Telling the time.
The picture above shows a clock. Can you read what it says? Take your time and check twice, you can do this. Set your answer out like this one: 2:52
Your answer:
3:40
